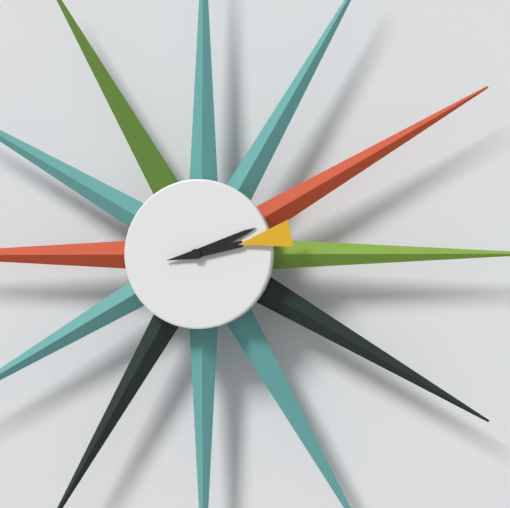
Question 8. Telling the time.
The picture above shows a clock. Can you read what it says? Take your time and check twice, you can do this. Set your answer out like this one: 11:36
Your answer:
2:13
